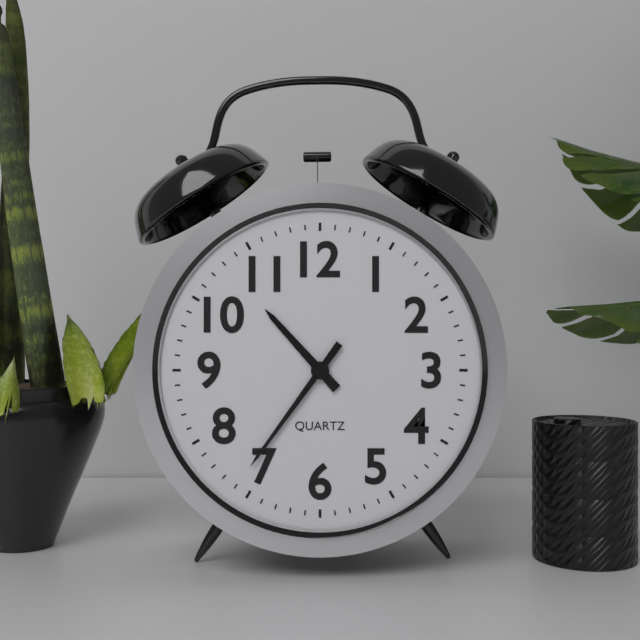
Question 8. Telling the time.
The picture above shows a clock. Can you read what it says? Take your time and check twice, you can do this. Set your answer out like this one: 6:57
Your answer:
10:36
